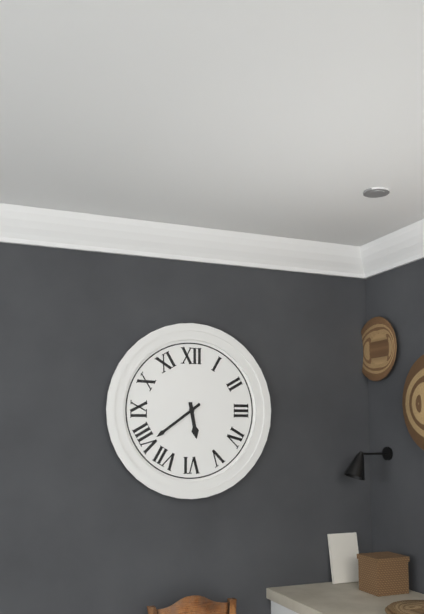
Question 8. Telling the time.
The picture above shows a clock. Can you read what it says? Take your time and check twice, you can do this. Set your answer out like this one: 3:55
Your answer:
5:39
